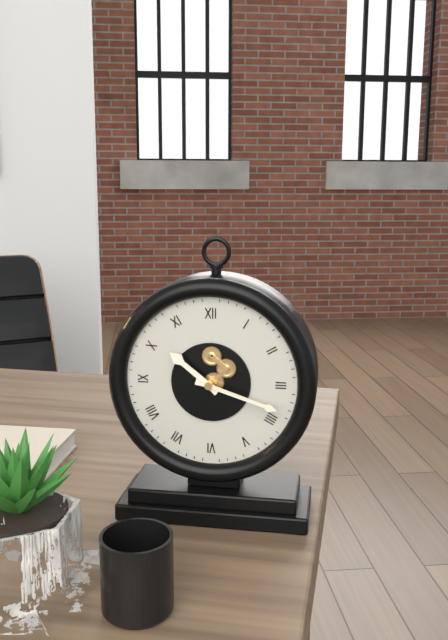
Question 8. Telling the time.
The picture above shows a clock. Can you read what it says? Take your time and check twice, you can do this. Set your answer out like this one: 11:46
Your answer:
10:18
